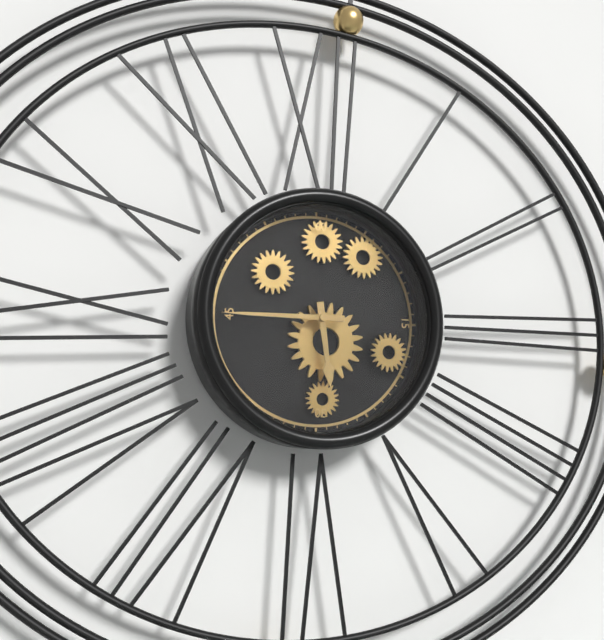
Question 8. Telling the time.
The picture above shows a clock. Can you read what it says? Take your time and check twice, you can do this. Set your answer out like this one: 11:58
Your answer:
5:45
